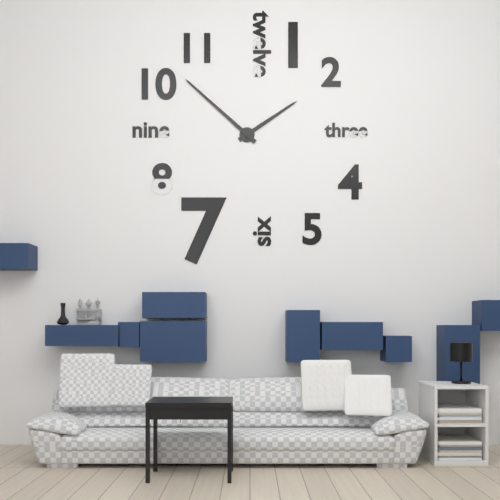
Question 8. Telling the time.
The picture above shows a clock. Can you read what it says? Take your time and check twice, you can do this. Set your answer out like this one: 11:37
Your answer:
1:52
